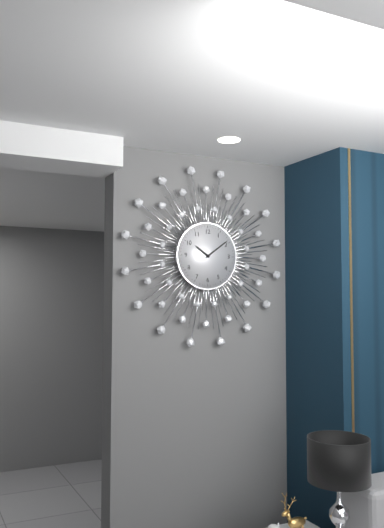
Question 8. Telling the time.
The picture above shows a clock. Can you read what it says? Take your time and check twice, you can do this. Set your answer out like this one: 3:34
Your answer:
10:09
